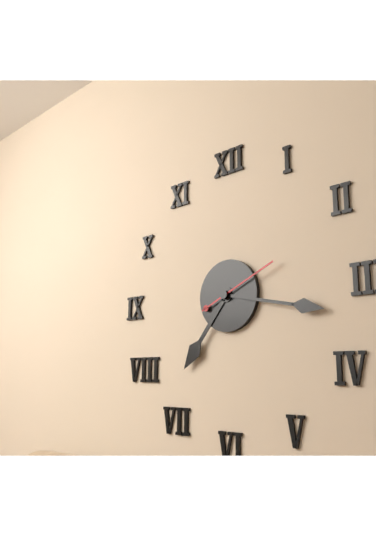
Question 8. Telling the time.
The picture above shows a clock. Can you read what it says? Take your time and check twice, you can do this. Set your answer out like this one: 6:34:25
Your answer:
7:17:11
